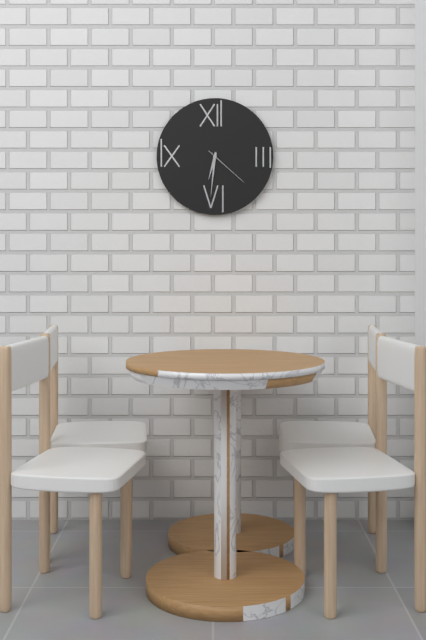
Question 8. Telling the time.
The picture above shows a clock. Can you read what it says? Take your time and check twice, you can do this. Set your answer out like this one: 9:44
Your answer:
6:31
